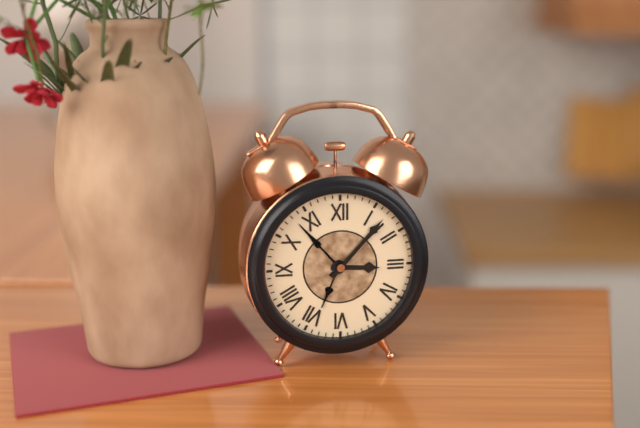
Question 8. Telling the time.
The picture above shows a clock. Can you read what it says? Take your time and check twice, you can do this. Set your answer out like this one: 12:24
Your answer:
3:07
